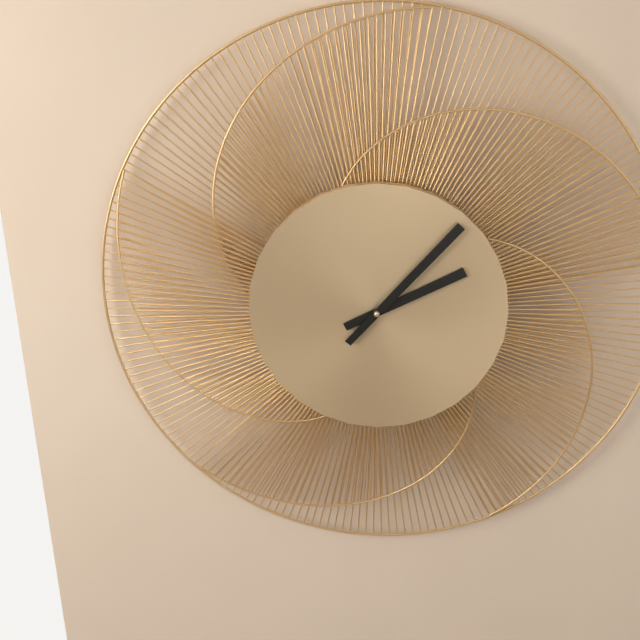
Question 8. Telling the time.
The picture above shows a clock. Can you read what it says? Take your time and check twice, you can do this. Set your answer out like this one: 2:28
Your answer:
2:07
